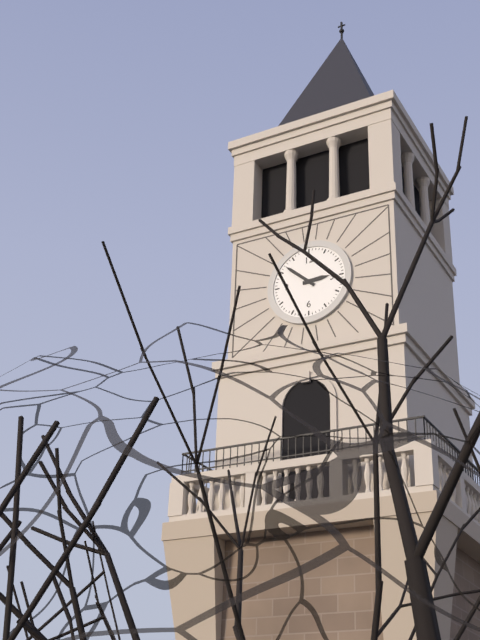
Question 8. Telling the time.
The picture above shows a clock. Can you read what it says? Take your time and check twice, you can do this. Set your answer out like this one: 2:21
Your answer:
2:52
